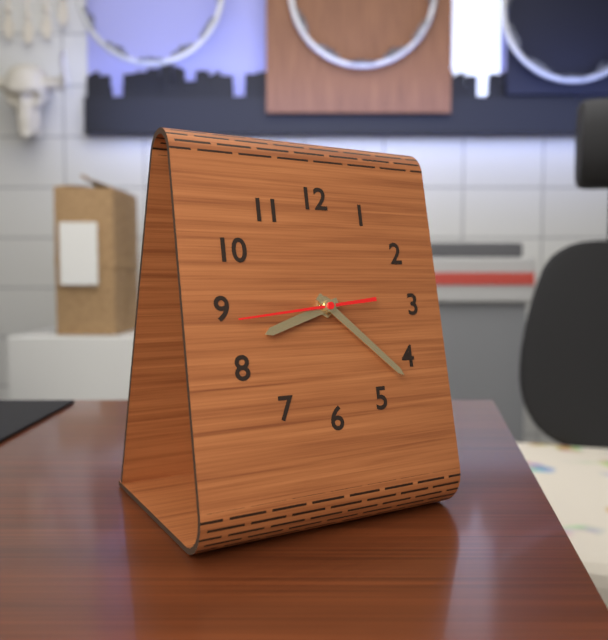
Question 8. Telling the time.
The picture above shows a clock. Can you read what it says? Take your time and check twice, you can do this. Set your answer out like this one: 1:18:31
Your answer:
8:22:44
